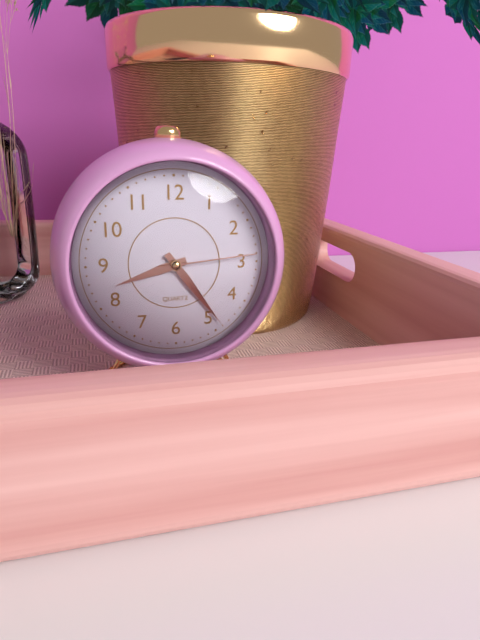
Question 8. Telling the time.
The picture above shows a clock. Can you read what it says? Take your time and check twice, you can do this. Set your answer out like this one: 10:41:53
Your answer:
8:24:14
